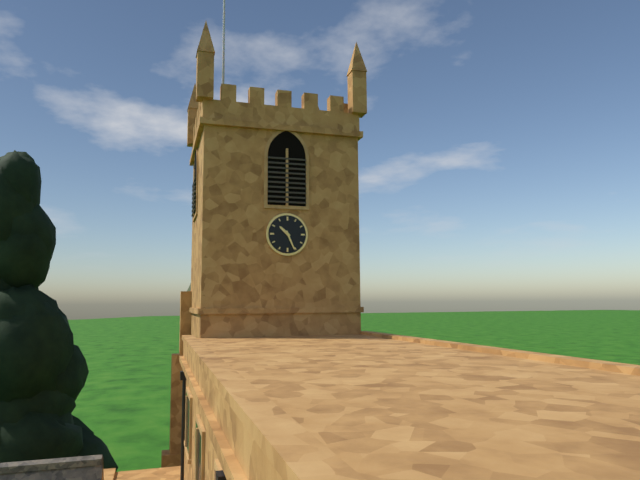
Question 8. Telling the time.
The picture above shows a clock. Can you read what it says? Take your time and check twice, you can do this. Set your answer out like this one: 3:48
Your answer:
10:26
